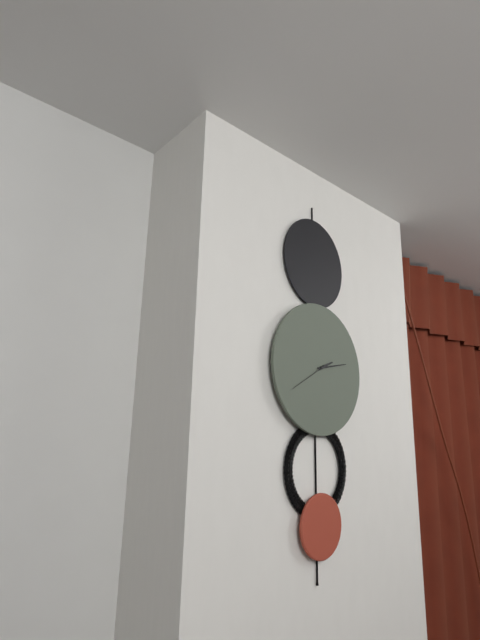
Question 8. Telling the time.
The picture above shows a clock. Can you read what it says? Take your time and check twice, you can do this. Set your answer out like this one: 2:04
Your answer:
2:13
